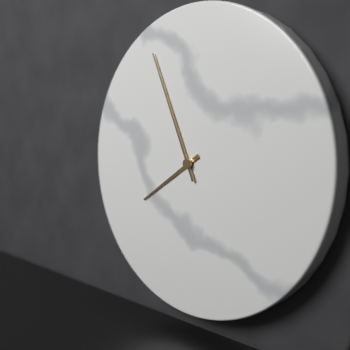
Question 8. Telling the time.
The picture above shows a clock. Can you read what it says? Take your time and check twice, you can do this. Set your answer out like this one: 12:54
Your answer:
7:56
